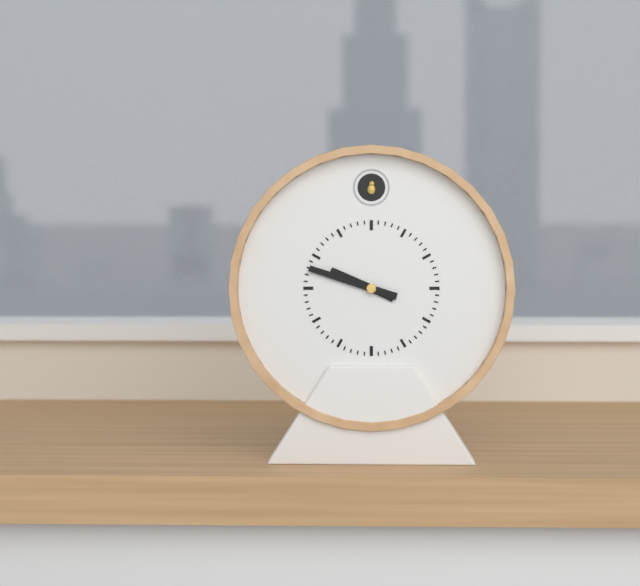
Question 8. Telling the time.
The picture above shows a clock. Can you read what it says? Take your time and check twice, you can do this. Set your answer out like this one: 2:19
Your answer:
9:48
